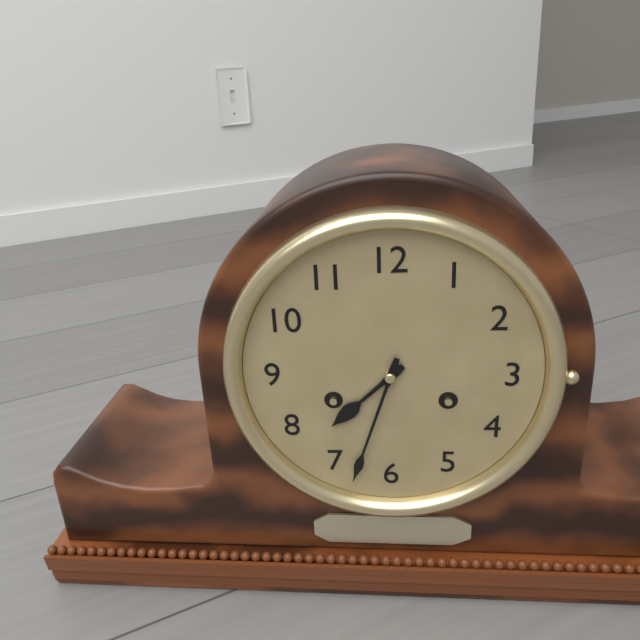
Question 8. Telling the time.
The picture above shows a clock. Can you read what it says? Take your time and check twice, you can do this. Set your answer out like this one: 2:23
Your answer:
7:33
